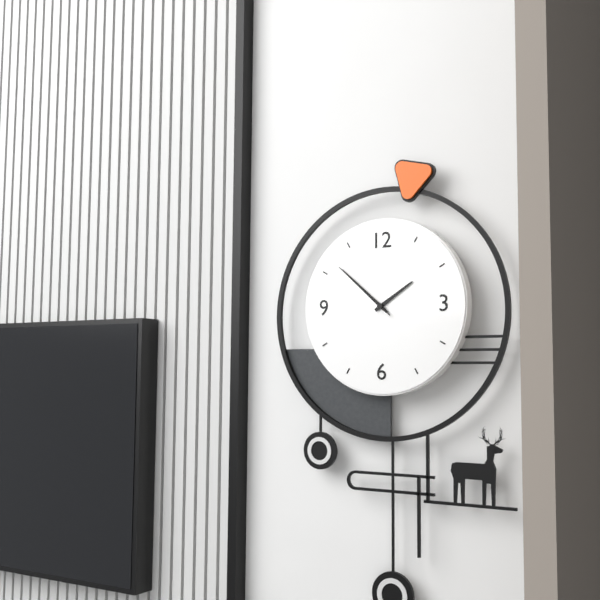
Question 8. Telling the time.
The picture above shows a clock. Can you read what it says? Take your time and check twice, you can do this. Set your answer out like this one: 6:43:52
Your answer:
1:52:52
